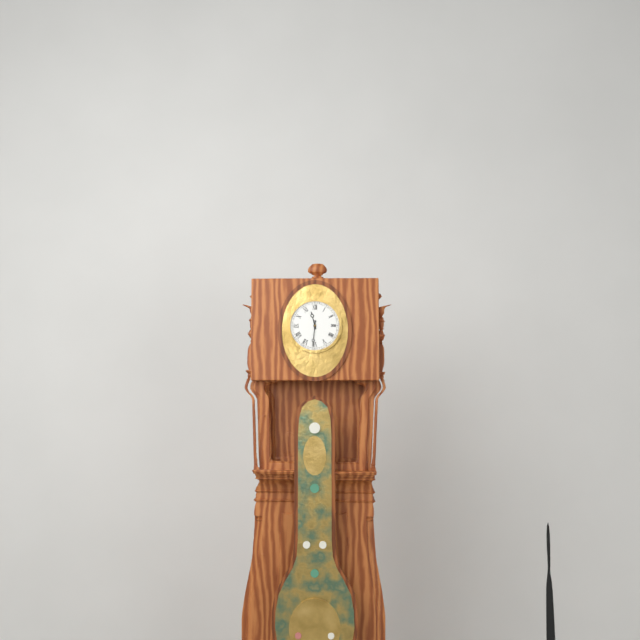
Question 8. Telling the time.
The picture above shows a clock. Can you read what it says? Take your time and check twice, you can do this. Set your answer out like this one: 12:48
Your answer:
11:31
